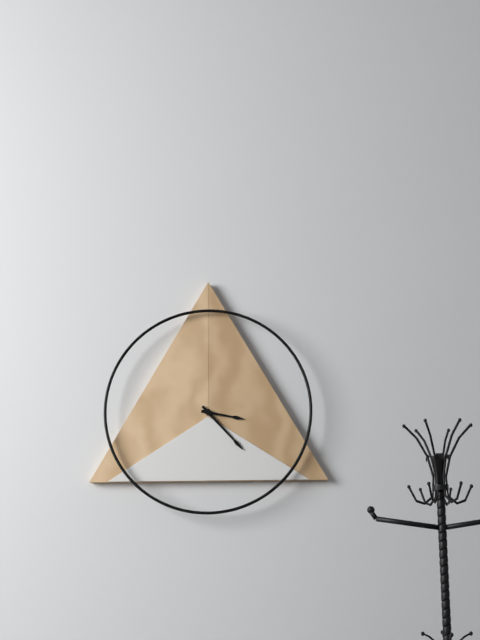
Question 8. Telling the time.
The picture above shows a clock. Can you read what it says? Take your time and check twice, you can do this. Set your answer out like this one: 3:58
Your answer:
3:23
